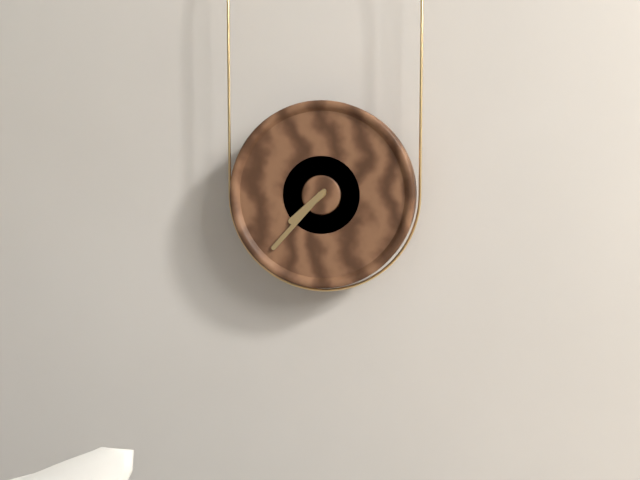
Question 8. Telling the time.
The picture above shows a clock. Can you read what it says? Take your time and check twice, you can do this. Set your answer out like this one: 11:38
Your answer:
7:37
